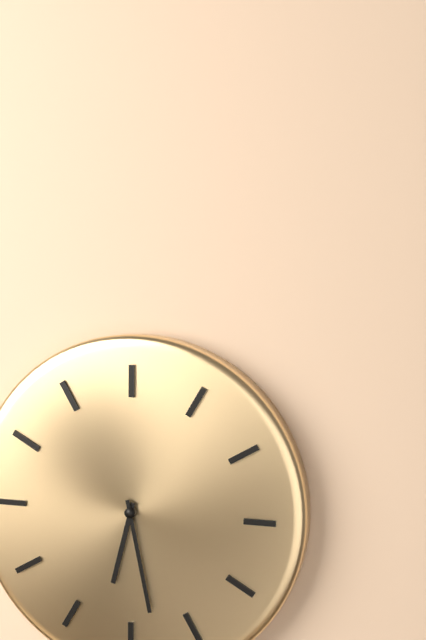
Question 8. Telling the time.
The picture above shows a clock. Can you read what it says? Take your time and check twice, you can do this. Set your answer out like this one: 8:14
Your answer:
6:28
